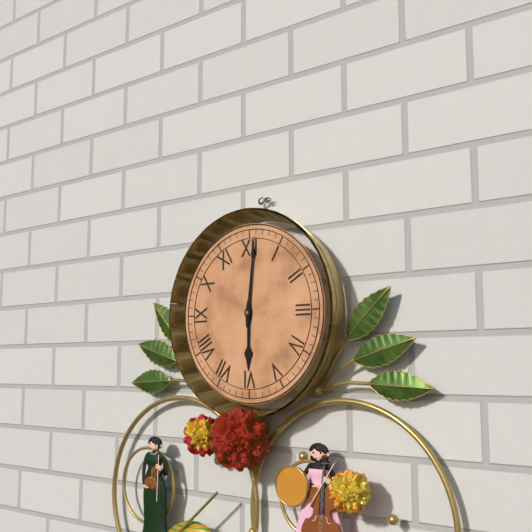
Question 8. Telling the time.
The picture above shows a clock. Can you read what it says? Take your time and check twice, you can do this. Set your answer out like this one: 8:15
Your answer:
6:01
